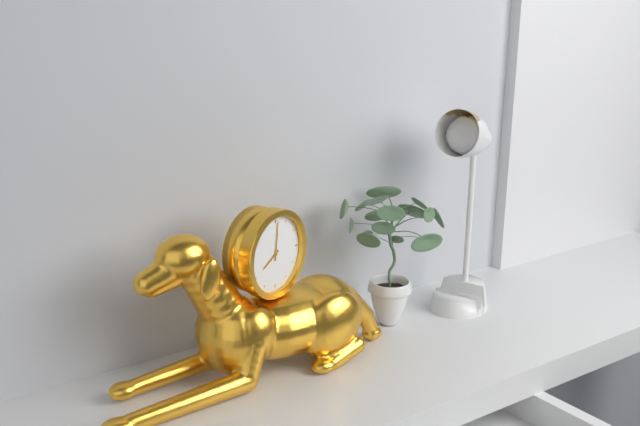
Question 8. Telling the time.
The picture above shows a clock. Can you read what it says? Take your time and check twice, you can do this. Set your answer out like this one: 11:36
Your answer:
8:01
